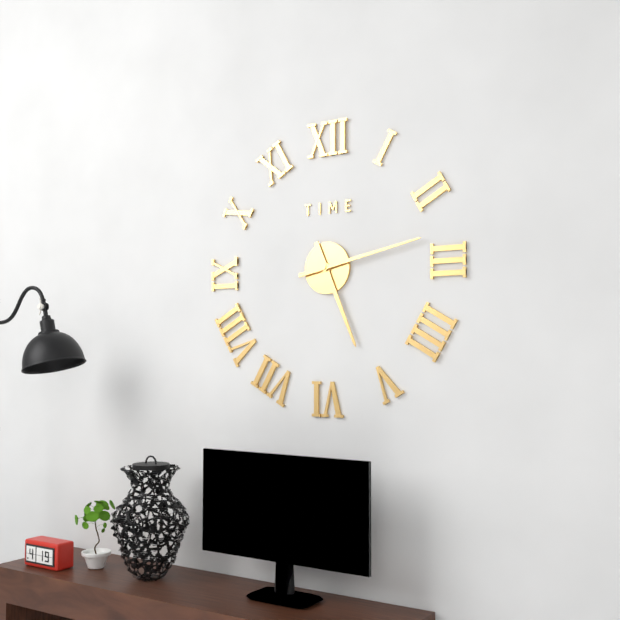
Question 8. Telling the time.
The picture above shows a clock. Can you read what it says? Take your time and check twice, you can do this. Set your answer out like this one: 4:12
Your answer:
5:13
